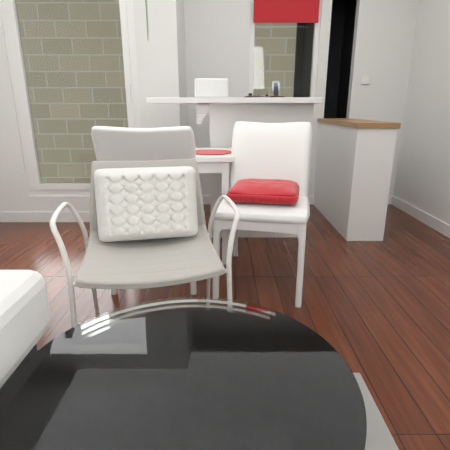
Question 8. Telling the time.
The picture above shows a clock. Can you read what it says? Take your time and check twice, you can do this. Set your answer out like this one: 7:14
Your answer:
6:03
